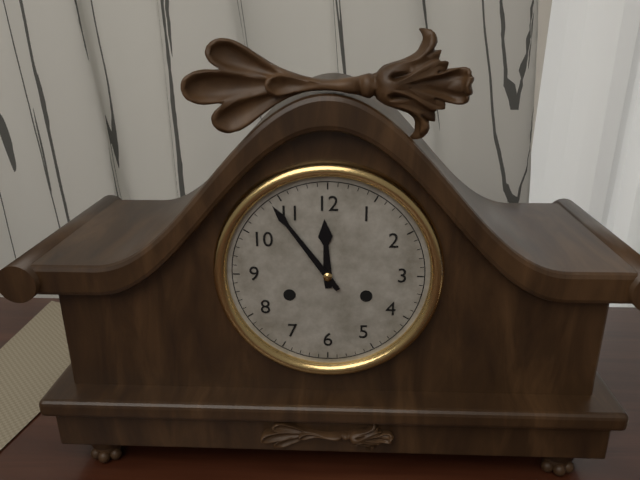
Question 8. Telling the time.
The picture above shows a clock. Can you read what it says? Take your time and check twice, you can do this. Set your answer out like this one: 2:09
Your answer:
11:54
